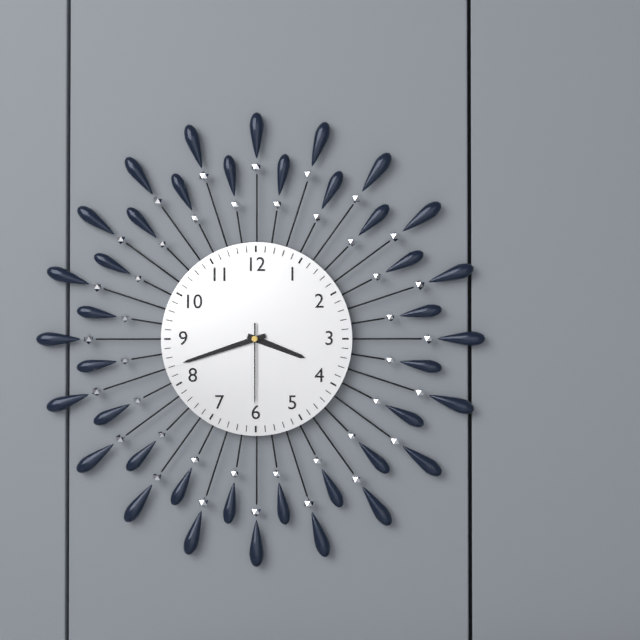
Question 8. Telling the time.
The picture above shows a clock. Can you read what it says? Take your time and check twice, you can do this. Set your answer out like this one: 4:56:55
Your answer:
3:42:30
